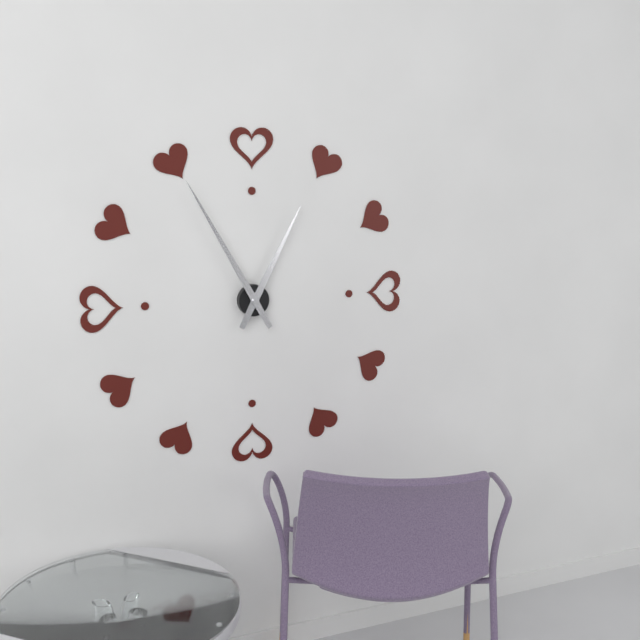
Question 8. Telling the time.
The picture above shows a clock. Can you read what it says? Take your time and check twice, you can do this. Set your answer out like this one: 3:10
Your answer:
12:55
